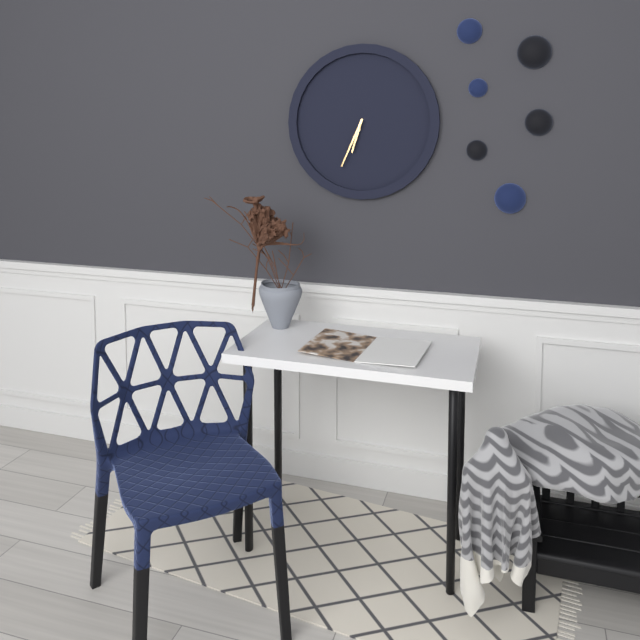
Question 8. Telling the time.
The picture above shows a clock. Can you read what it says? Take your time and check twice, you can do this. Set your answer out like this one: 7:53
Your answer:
6:34
